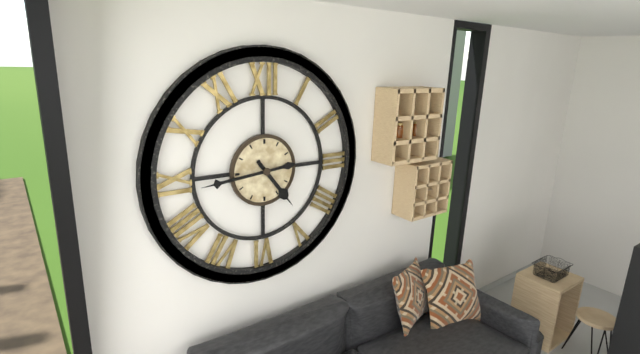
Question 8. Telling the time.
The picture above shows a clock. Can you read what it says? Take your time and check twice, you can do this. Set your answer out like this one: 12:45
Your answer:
4:44
